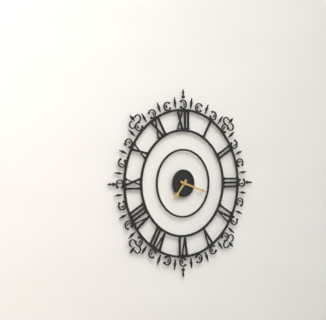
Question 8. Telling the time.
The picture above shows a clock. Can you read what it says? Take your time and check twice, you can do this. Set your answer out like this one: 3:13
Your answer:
7:18
